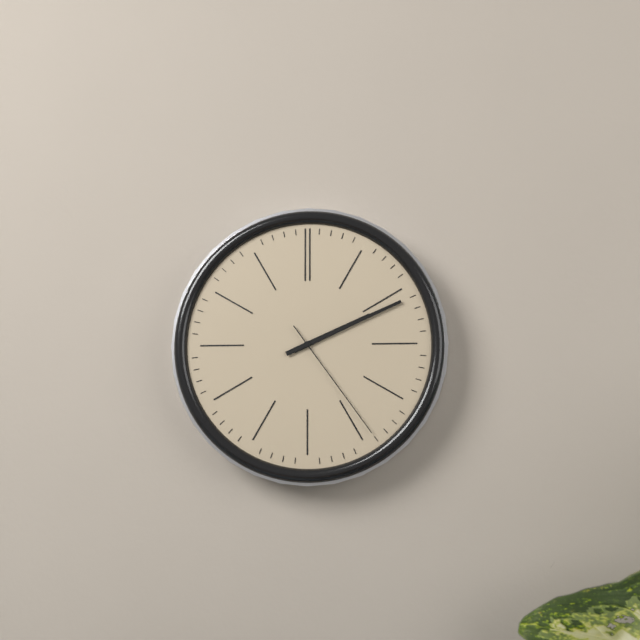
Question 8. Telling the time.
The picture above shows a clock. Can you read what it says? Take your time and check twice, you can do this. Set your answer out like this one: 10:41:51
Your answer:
2:11:24
